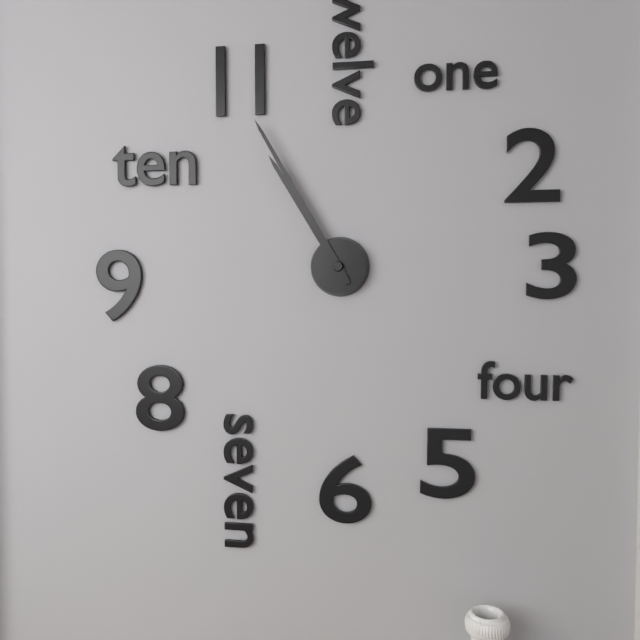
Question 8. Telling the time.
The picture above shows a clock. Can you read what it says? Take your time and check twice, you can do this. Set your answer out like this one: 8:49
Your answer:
10:55
